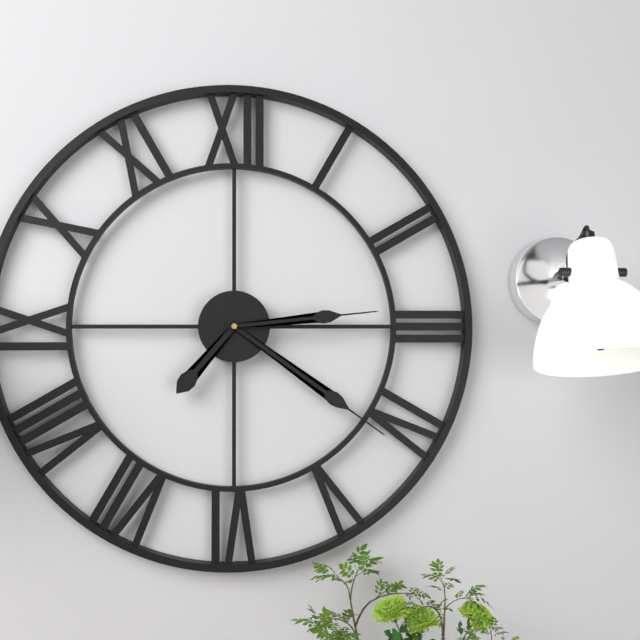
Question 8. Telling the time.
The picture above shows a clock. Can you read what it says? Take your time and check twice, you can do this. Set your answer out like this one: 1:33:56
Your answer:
7:21:14
